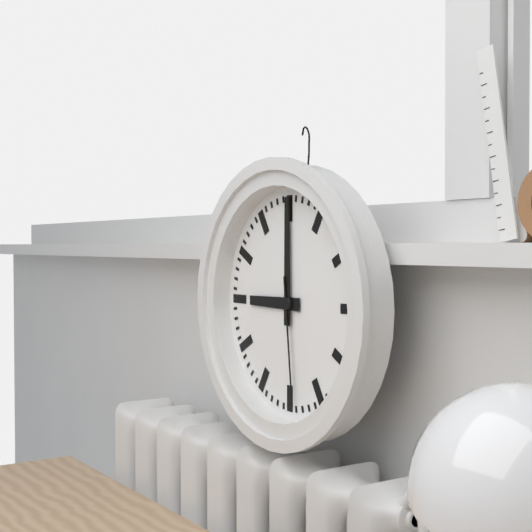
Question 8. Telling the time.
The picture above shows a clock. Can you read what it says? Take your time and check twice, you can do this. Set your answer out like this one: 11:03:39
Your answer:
9:00:29
